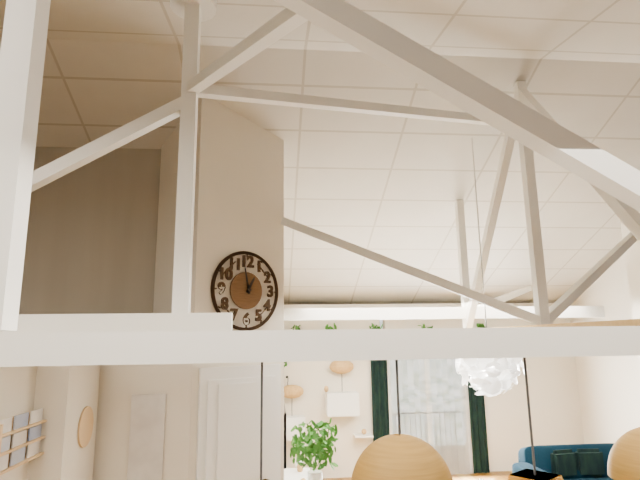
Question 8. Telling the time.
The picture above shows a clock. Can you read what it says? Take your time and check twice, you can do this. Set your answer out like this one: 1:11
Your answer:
12:58
